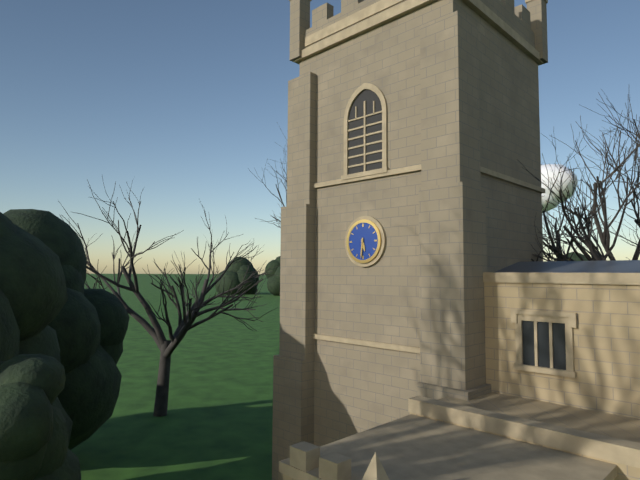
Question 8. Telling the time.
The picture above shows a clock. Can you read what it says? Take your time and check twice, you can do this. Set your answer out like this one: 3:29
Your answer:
5:31
